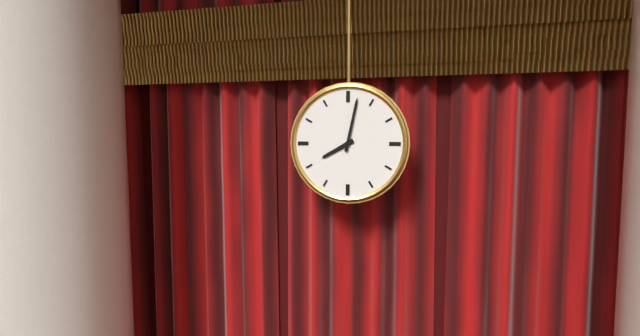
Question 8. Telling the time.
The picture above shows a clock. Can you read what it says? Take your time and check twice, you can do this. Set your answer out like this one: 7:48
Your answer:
8:02
